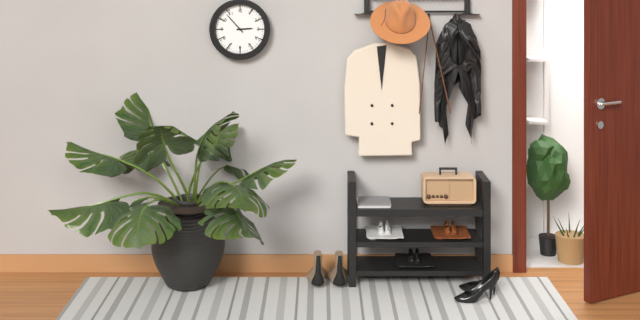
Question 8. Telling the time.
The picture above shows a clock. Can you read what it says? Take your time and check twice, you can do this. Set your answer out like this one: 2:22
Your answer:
2:53
